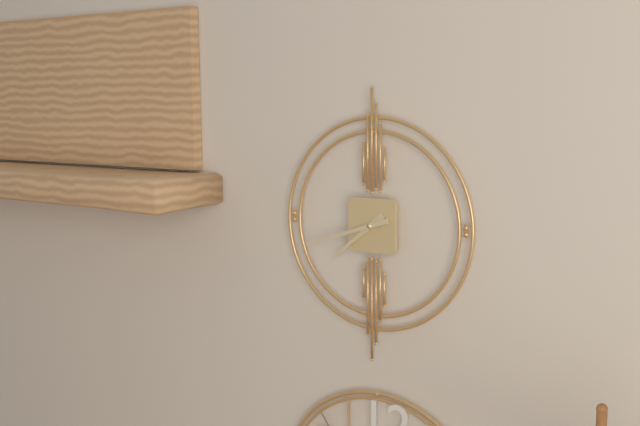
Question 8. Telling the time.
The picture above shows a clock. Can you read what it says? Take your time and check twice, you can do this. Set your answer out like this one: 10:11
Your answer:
7:42
